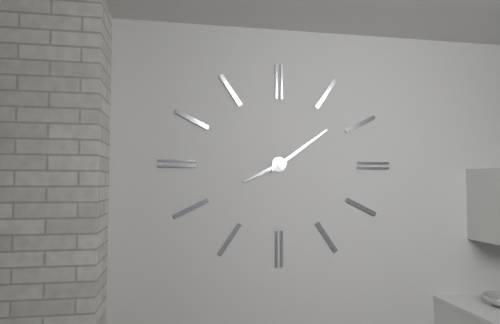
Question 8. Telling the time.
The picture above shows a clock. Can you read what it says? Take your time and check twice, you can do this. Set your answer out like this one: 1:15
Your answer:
8:09
